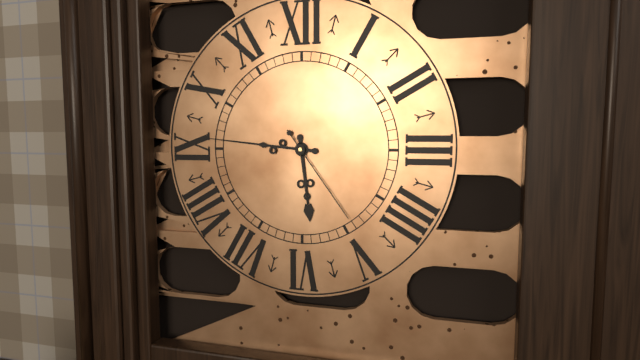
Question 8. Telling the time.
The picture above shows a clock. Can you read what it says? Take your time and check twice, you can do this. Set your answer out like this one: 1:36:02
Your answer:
5:46:24
